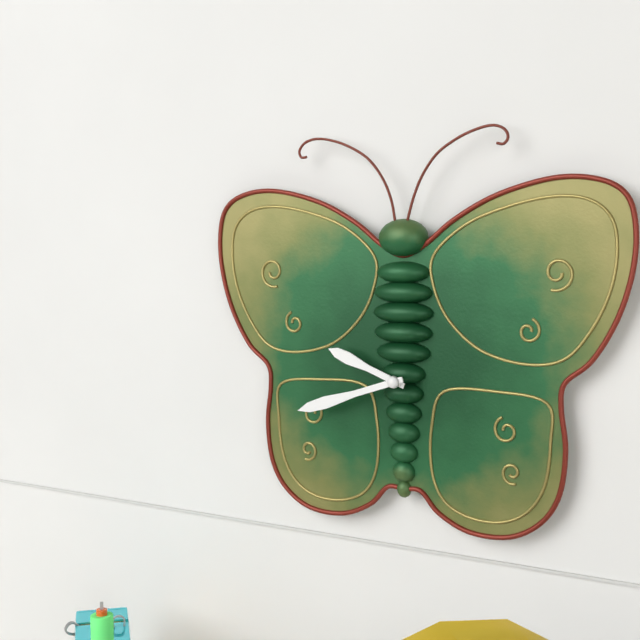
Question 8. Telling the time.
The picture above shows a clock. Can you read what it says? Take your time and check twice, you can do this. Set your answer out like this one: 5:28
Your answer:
9:42
